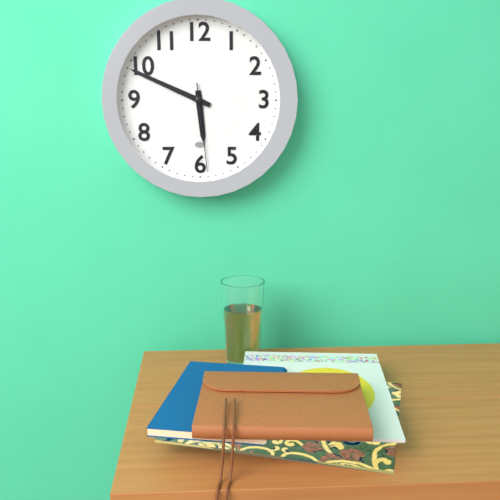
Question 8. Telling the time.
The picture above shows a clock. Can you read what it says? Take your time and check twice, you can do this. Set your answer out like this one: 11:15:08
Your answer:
5:49:29
